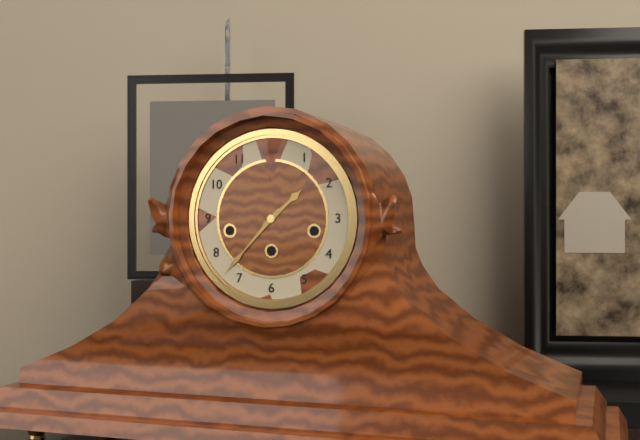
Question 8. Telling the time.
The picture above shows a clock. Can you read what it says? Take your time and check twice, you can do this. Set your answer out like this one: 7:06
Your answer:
1:37
